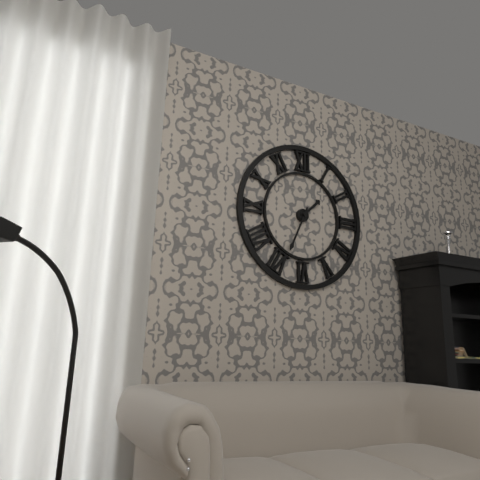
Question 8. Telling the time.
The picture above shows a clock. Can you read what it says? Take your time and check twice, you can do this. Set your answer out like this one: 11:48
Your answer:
1:34
